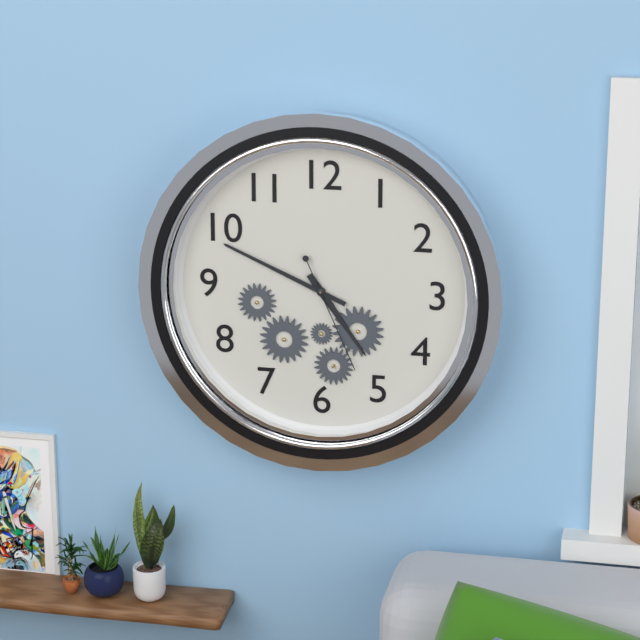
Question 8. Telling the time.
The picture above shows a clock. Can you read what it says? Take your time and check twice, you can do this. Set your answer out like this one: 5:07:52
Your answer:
4:49:26
